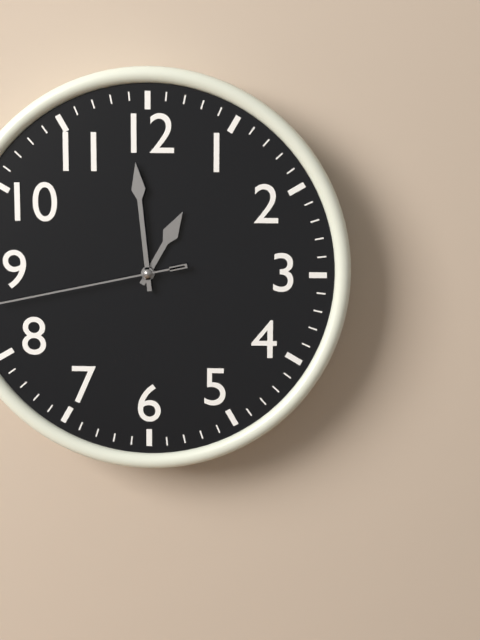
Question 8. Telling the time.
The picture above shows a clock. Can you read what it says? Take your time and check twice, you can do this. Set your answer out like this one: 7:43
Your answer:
12:59
